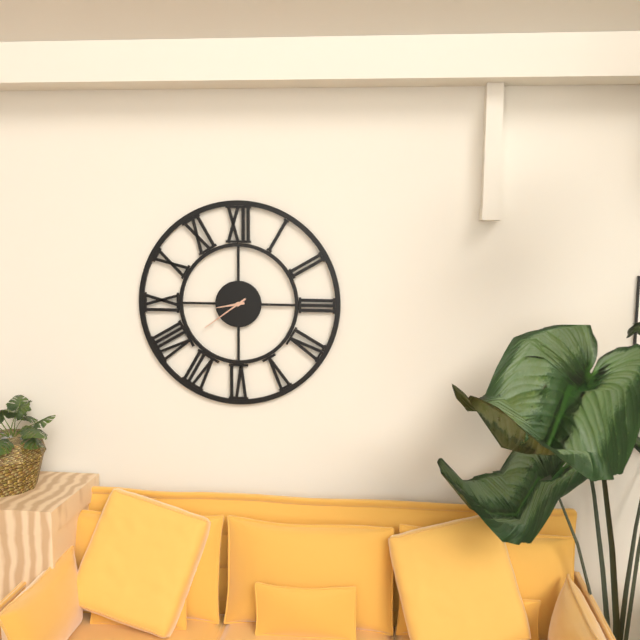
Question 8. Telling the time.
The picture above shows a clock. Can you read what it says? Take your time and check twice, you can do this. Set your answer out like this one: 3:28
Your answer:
8:39
